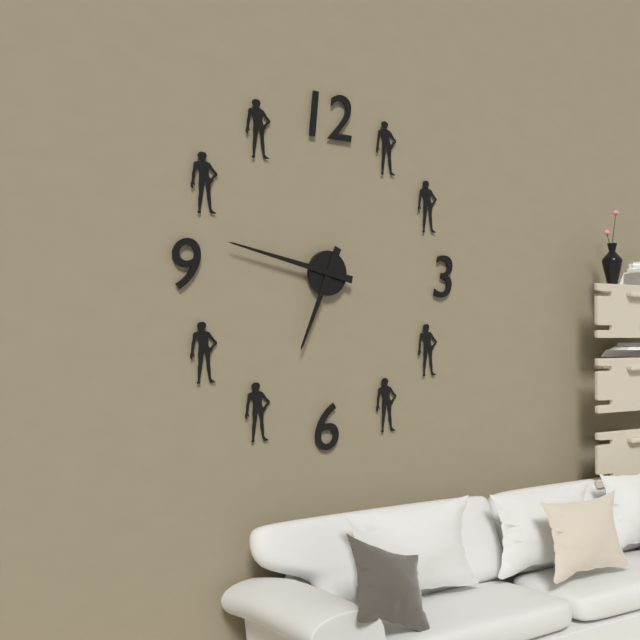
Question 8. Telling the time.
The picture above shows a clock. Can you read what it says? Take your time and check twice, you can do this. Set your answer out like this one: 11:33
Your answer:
6:47
